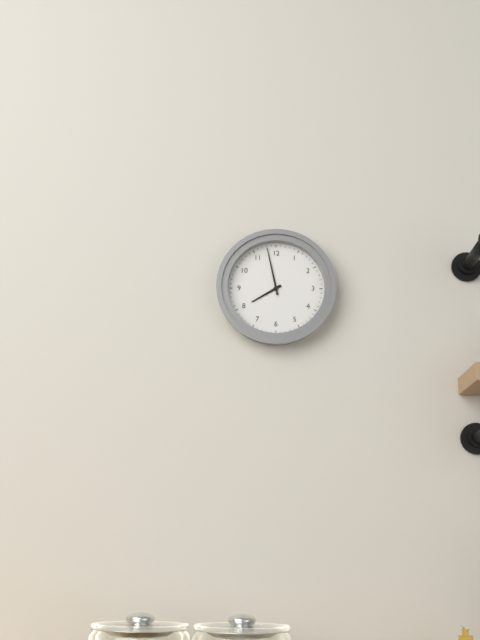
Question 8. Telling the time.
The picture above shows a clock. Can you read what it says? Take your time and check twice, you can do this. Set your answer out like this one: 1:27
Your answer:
7:58
